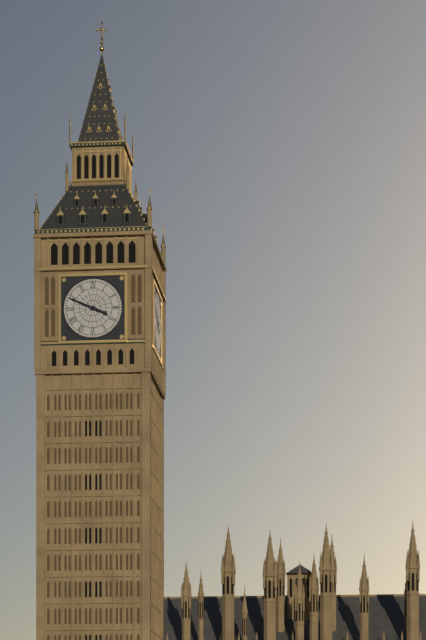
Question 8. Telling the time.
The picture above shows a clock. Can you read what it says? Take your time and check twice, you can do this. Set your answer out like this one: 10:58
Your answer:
3:49
